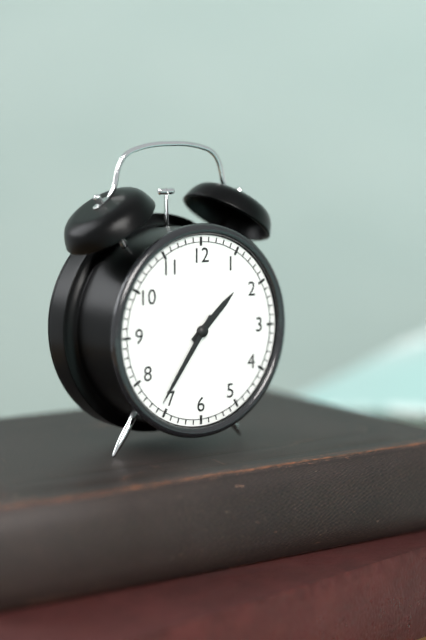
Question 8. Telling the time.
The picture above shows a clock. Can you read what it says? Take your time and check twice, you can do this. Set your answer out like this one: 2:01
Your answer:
1:36
